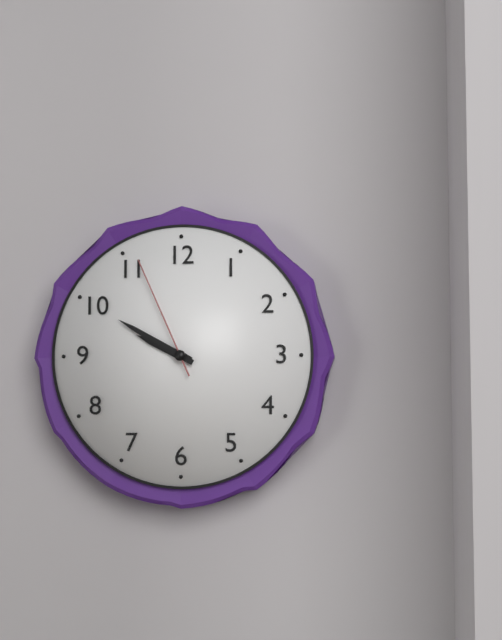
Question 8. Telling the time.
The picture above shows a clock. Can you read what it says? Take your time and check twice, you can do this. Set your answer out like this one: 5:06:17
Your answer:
9:50:56
